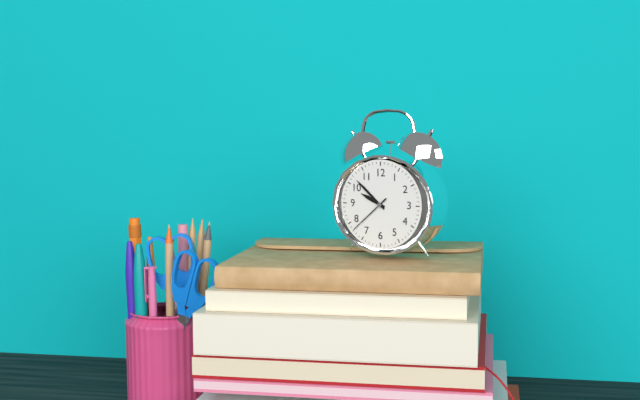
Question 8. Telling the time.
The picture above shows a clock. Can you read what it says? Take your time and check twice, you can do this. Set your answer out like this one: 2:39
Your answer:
9:52
